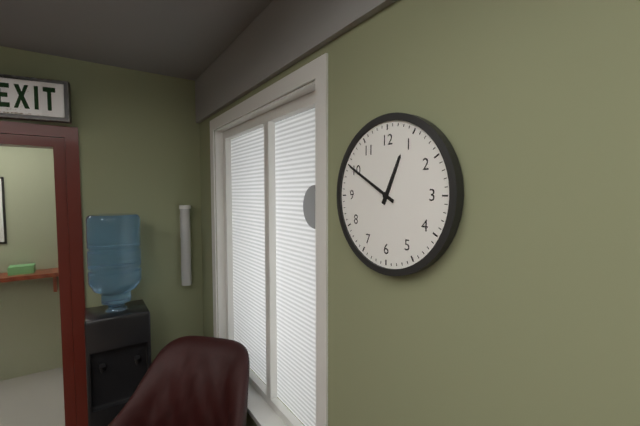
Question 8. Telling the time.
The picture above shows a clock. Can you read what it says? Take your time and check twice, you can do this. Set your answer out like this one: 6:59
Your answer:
12:50
